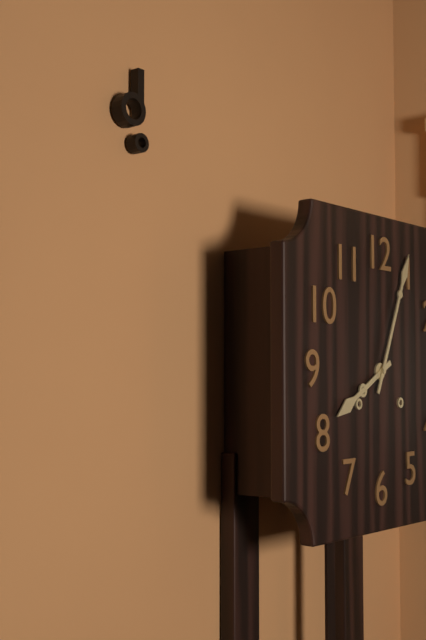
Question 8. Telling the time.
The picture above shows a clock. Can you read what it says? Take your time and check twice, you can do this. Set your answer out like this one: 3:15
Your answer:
8:04
